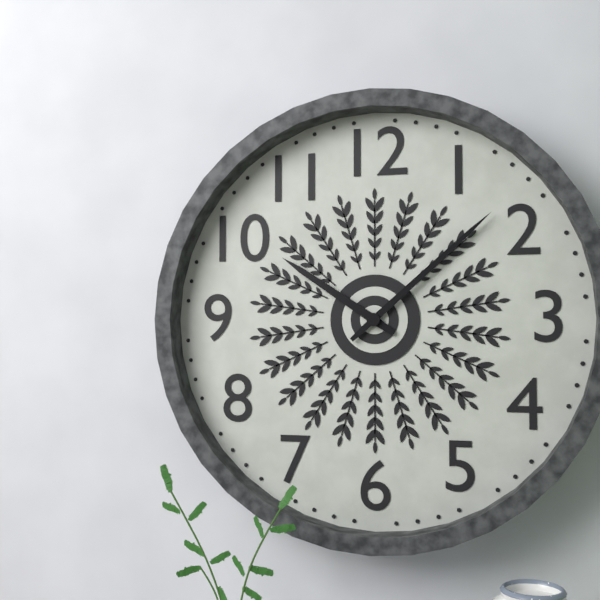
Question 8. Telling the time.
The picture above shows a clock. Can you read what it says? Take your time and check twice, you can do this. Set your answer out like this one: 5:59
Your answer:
10:08
